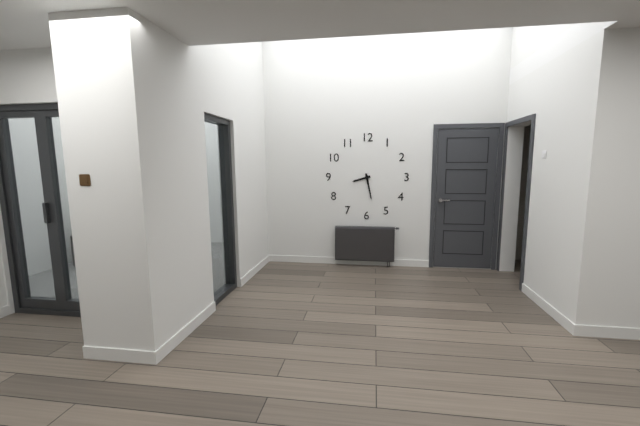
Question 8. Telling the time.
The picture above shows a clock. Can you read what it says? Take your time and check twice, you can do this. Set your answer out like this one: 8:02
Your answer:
8:28
